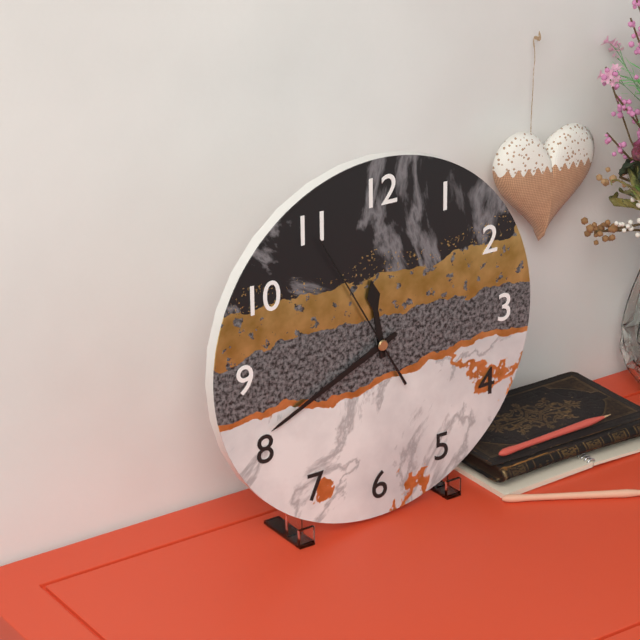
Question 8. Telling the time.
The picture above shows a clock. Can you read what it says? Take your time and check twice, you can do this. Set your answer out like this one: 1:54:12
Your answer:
11:41:55
